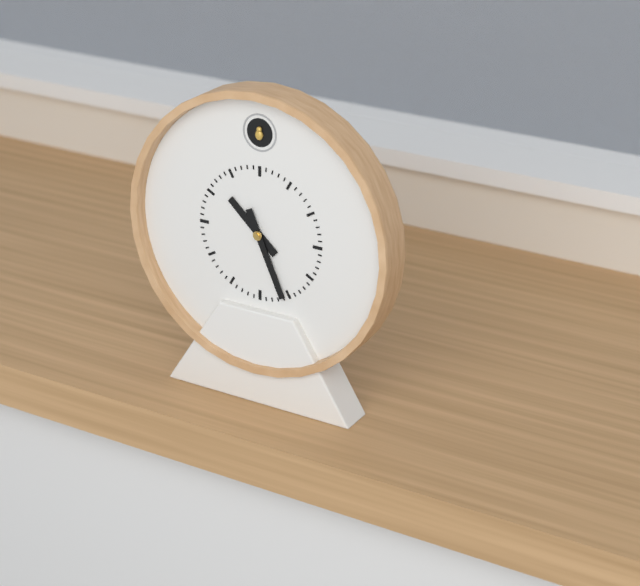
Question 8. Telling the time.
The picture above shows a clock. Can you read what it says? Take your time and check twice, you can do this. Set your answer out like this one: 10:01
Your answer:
10:26
